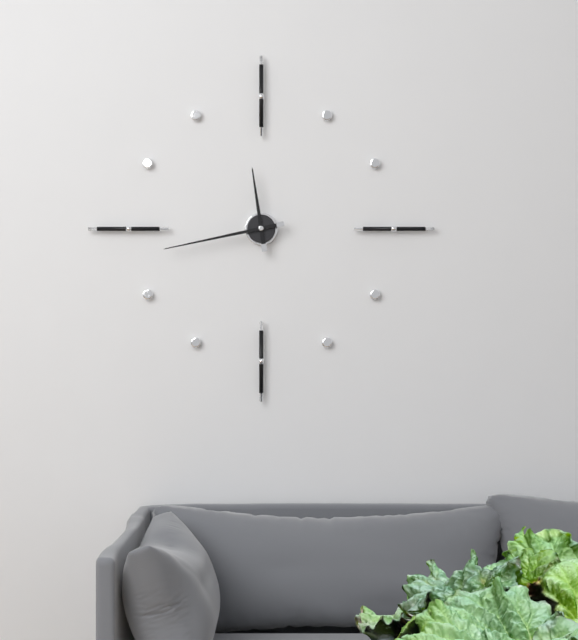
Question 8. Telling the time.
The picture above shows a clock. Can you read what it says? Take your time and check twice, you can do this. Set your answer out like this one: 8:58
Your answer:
11:43
